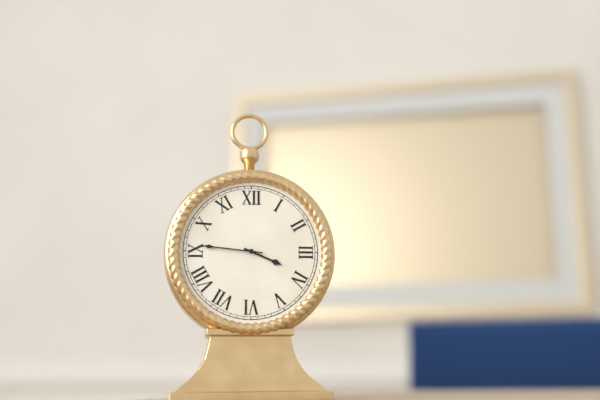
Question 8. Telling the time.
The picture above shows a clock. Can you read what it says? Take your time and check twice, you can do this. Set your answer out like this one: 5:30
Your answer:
3:46
